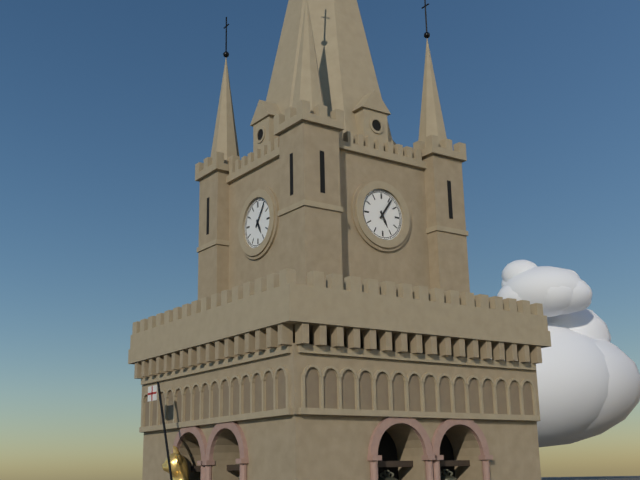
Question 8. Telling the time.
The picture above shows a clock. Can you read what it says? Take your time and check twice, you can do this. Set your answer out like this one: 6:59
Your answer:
5:06
